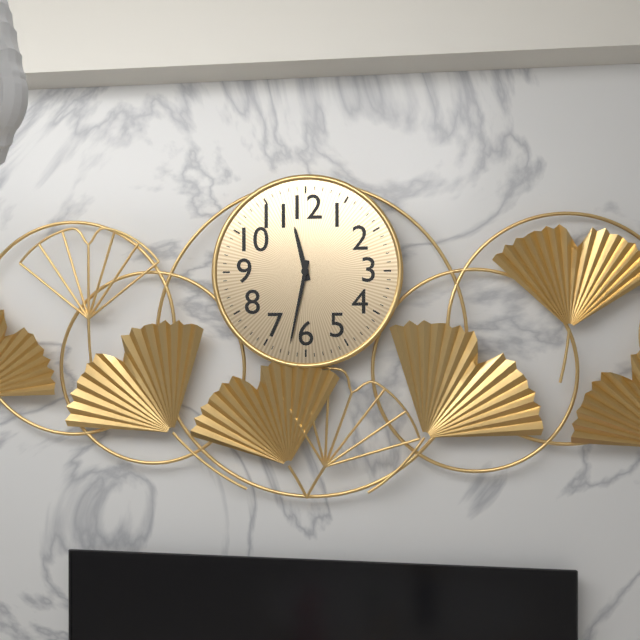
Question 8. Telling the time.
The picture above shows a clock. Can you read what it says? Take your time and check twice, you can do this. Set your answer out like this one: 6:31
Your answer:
11:32
